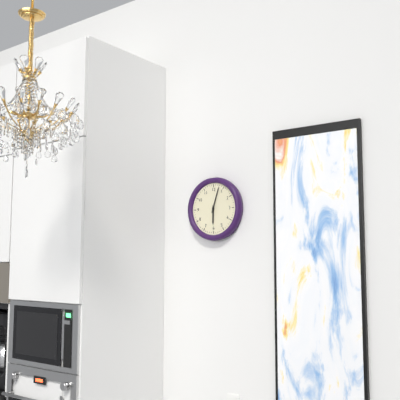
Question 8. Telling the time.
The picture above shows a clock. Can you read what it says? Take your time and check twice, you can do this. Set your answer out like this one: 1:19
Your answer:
6:03
